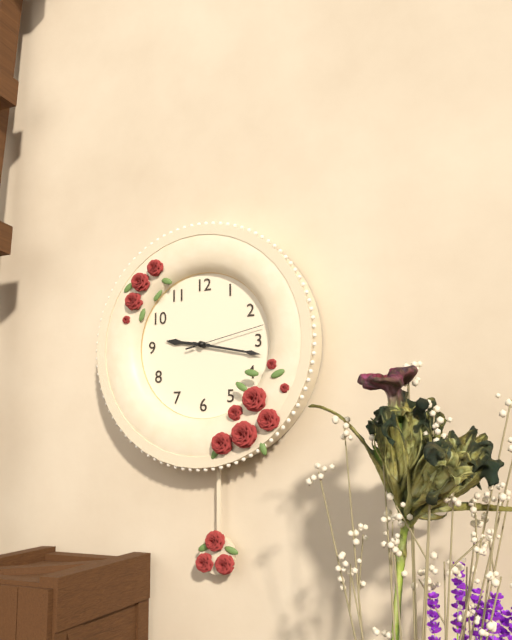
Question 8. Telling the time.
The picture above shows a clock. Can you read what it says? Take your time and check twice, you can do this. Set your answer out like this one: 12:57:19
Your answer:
9:17:13
